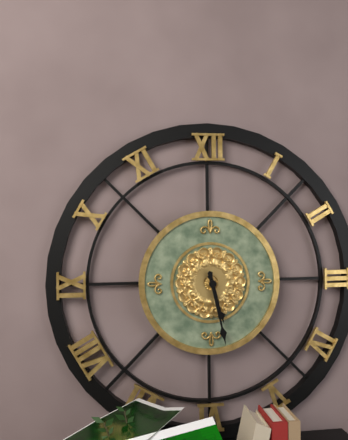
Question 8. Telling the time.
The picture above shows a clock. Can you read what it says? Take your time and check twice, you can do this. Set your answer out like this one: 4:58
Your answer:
5:28
